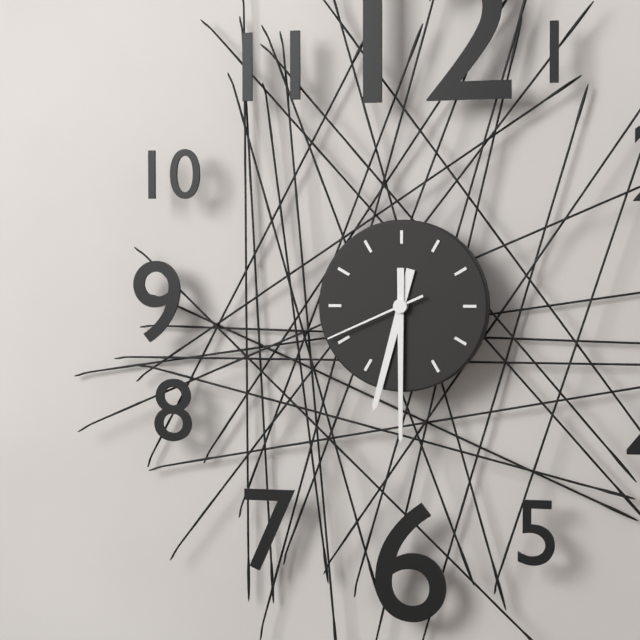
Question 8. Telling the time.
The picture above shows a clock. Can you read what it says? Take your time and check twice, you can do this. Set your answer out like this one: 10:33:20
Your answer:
6:30:41
